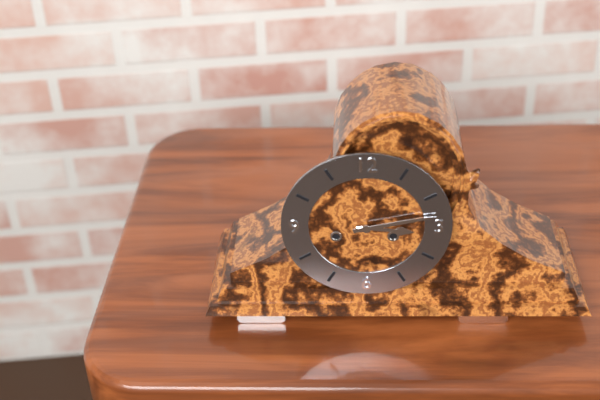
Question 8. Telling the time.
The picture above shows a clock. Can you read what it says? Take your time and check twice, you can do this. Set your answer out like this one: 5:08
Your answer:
3:13
